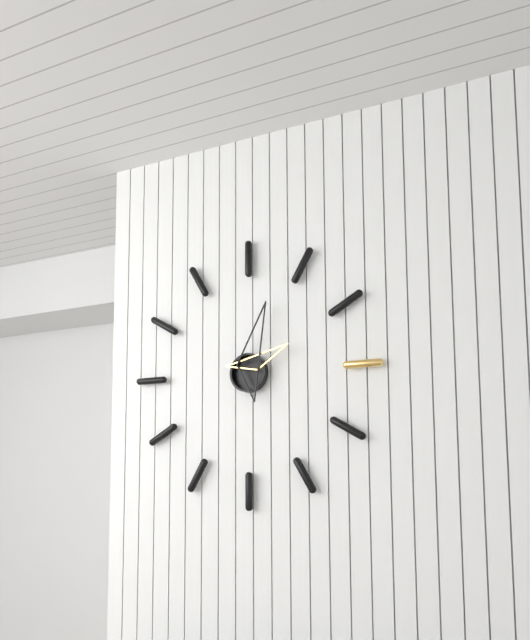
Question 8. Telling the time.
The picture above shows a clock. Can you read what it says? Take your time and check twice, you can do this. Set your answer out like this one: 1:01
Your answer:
2:03
